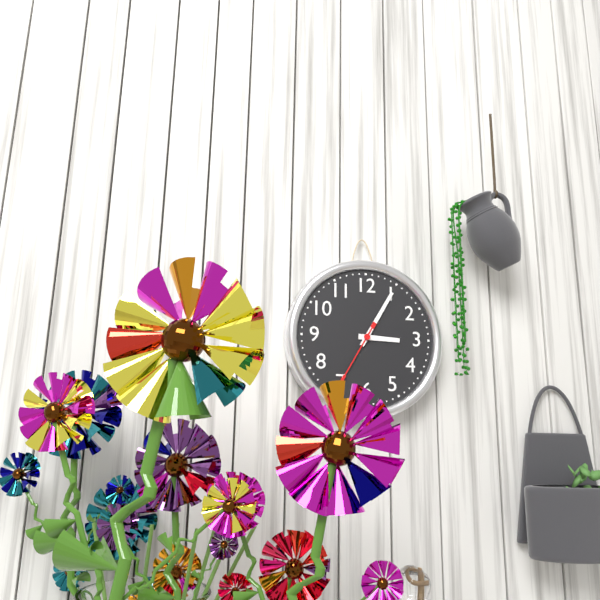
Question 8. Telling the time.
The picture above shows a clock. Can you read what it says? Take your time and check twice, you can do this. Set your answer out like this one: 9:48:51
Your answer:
3:05:35
